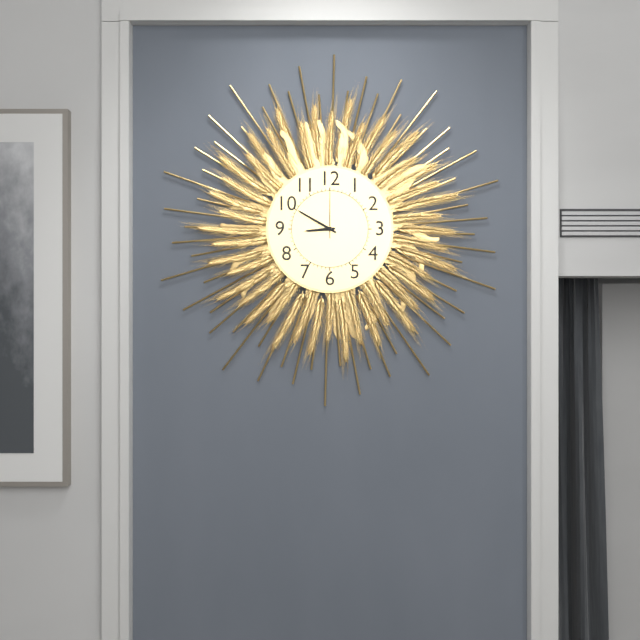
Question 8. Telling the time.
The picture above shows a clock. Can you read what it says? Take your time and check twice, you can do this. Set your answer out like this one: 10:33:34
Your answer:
8:50:00
